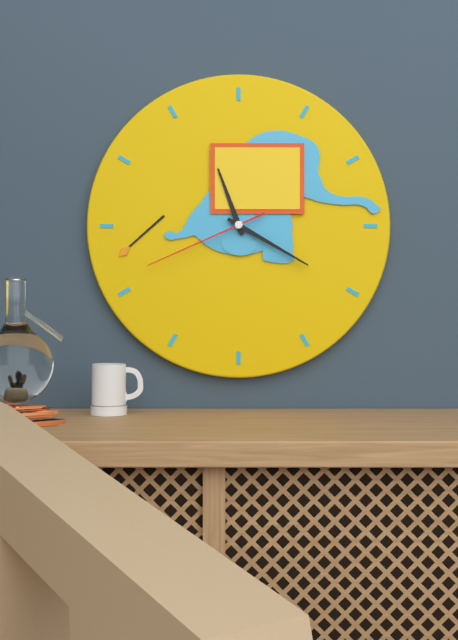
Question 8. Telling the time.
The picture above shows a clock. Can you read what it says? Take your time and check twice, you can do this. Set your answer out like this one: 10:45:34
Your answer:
11:20:41
